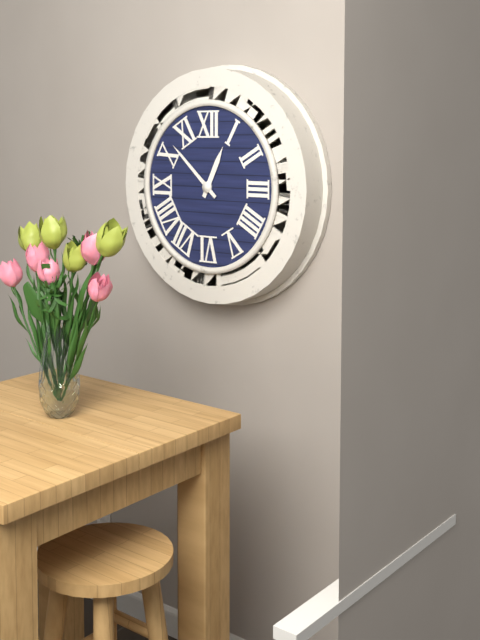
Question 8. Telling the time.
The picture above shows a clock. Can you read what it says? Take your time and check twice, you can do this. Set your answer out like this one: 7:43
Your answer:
12:52
